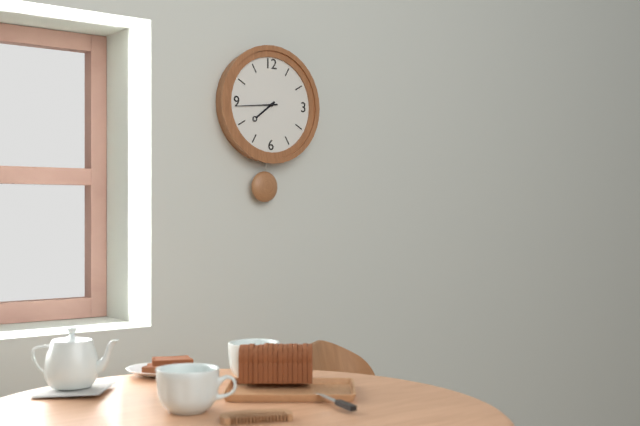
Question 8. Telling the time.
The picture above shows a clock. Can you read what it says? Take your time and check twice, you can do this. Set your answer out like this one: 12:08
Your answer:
7:44
